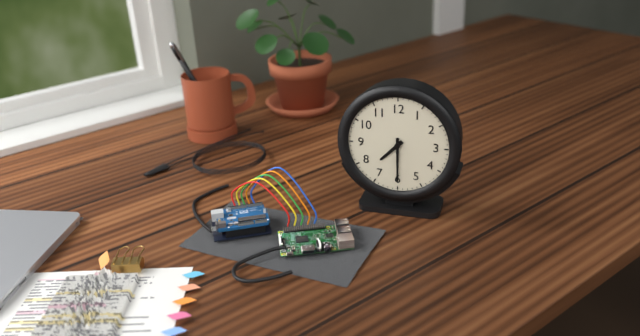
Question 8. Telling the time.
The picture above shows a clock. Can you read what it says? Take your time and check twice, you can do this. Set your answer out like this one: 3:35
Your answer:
7:30
